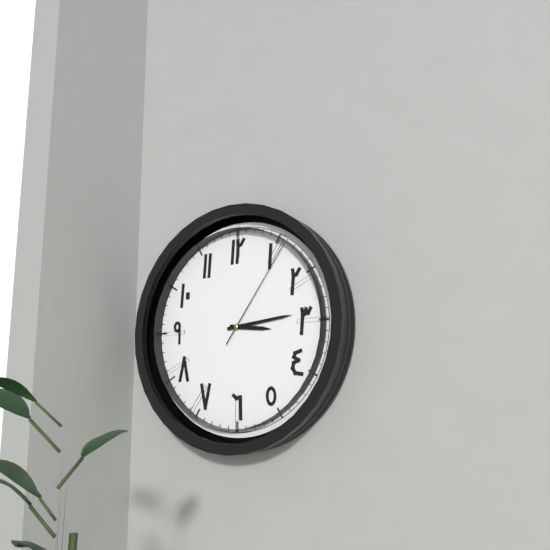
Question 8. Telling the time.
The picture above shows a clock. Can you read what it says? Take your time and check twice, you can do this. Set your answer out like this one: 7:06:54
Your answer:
3:14:06
